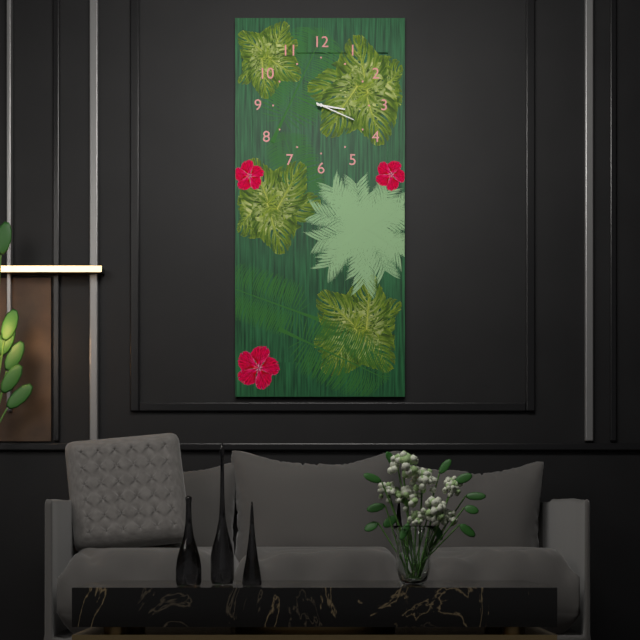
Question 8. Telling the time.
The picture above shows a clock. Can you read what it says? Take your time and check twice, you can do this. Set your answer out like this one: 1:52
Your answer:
3:19
